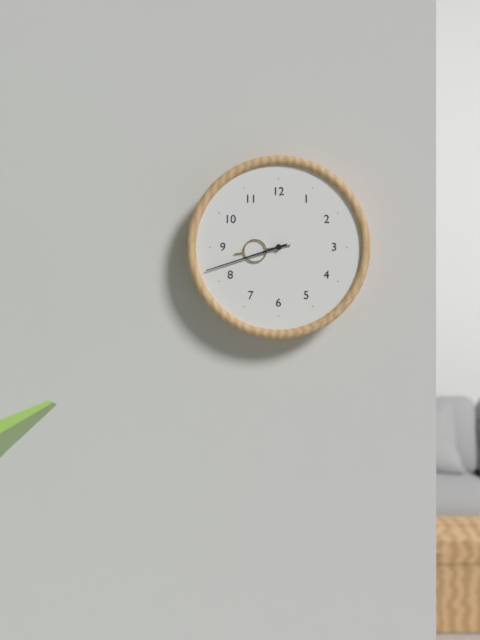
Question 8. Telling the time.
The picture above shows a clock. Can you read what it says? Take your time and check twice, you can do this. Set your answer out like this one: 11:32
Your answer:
8:42
